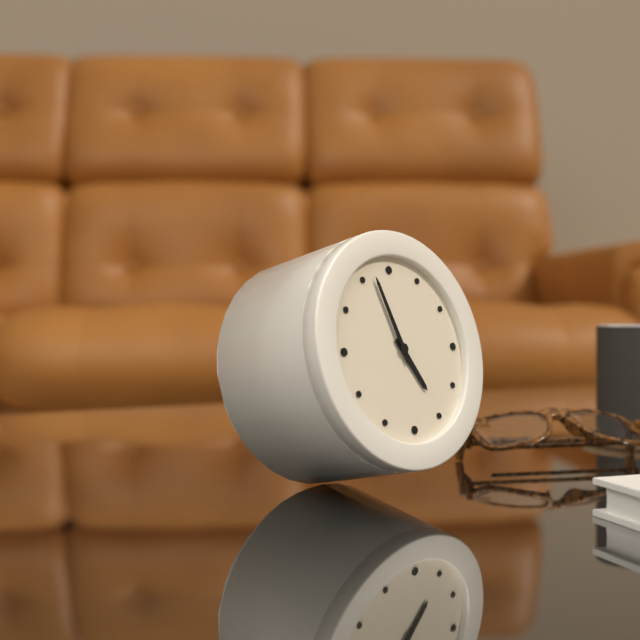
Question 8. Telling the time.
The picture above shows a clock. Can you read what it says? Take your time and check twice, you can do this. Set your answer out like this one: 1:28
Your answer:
4:57
